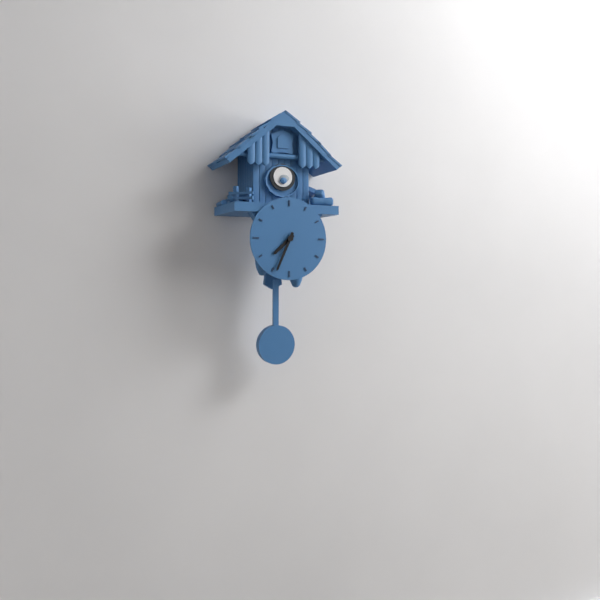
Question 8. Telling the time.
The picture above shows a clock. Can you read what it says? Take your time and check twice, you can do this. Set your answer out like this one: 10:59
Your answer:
7:34
